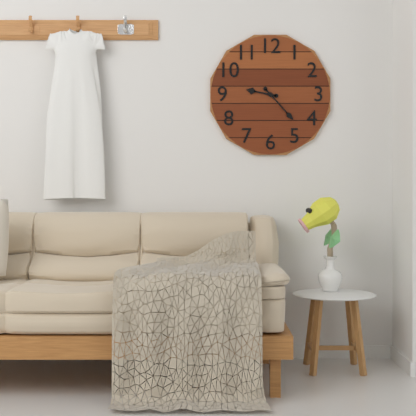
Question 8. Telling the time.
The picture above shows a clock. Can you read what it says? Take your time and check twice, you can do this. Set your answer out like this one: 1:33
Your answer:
9:23
